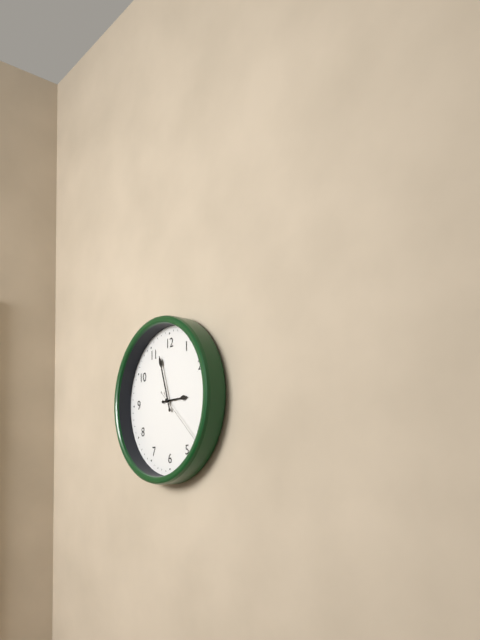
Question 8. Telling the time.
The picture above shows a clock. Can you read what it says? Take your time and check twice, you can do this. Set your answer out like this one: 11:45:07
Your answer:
2:57:22
